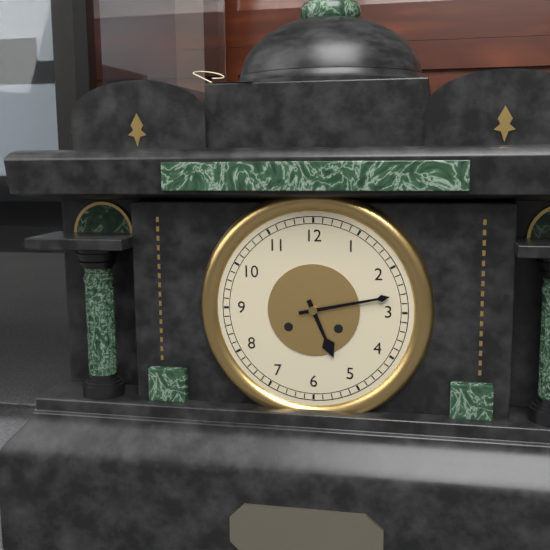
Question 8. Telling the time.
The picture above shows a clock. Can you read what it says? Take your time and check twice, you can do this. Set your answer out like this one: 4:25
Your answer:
5:13
